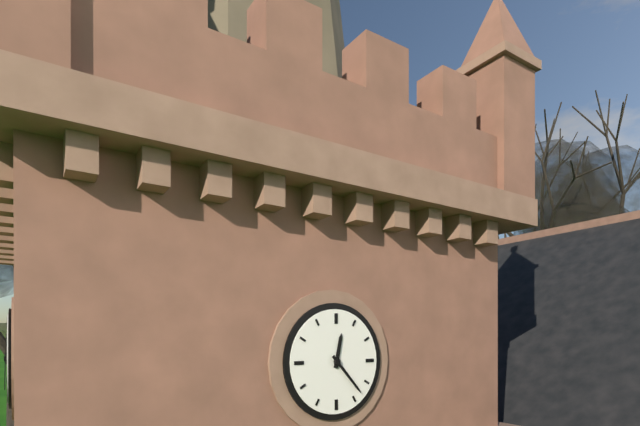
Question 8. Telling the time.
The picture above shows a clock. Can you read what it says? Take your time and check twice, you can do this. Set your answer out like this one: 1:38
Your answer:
12:23
